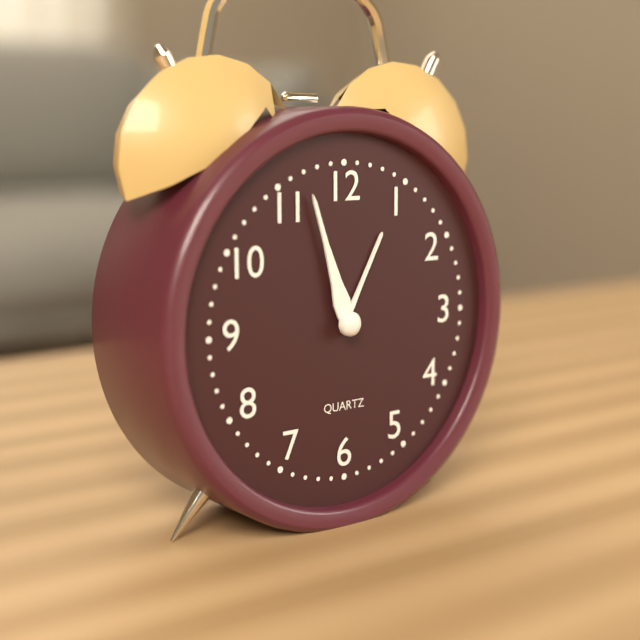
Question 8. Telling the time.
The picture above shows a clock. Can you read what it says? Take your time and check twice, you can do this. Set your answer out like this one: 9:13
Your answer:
12:57
